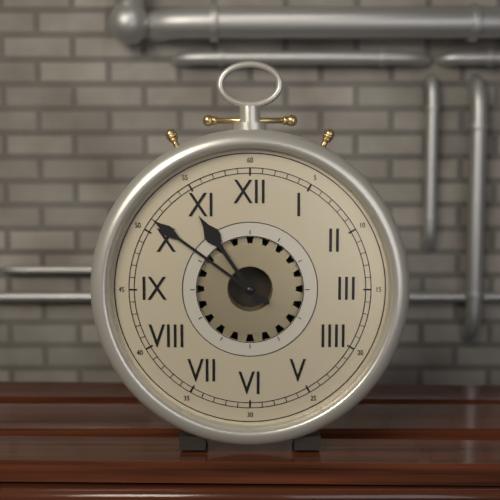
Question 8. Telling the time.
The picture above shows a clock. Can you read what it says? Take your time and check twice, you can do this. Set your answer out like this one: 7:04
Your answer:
10:51
